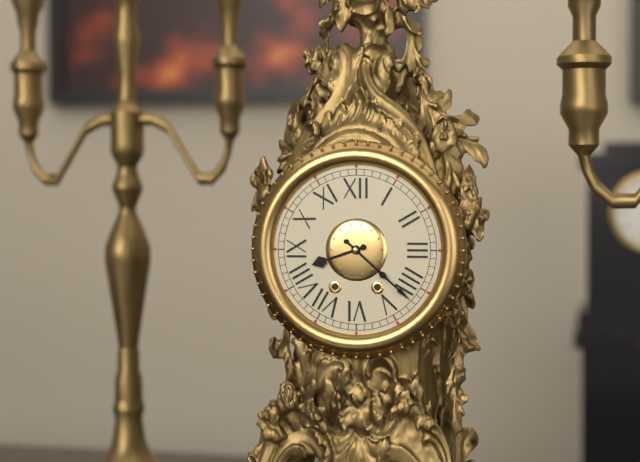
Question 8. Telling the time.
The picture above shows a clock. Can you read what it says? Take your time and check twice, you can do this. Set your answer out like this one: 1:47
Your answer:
8:22
